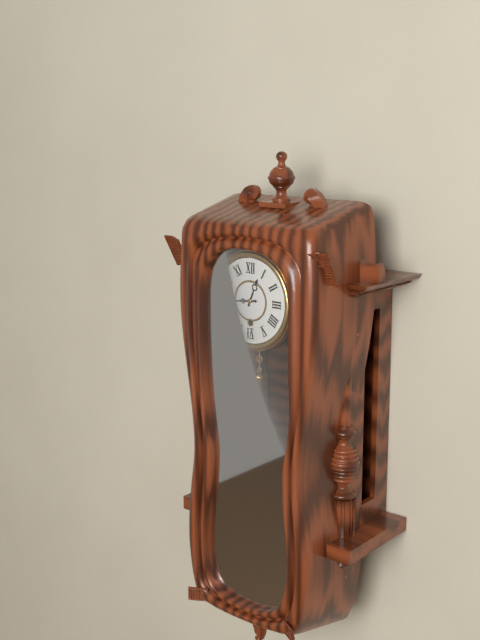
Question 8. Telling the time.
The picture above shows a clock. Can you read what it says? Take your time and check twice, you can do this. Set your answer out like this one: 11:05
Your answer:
12:44
